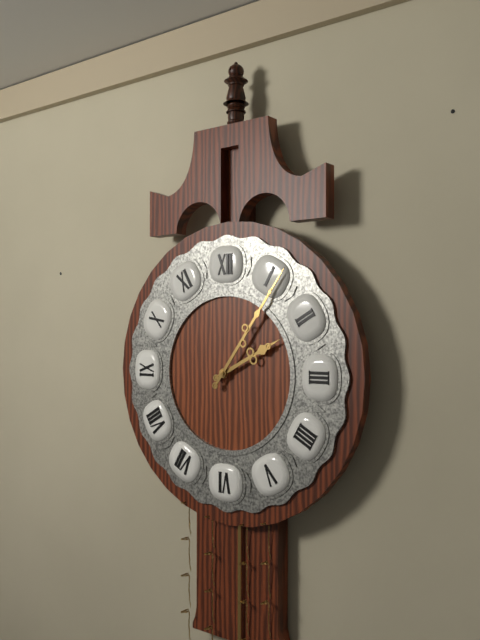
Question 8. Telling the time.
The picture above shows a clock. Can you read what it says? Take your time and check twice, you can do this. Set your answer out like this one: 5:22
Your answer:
2:06
